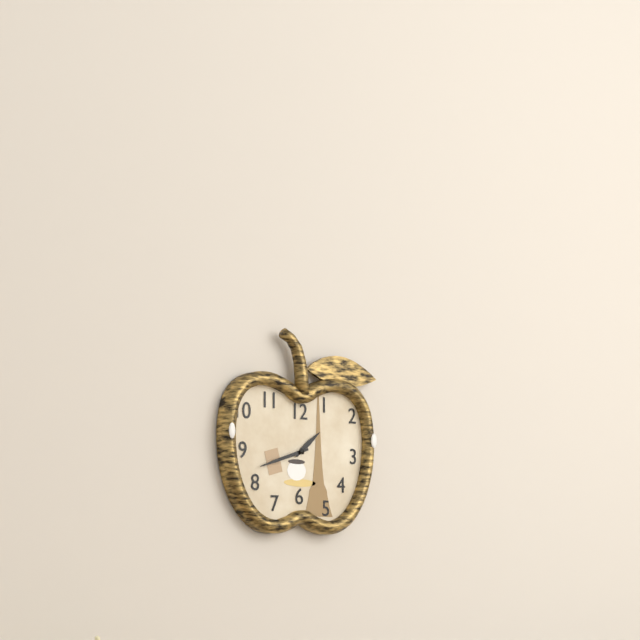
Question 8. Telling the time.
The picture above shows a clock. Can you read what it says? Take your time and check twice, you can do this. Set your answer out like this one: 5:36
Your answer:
1:42
